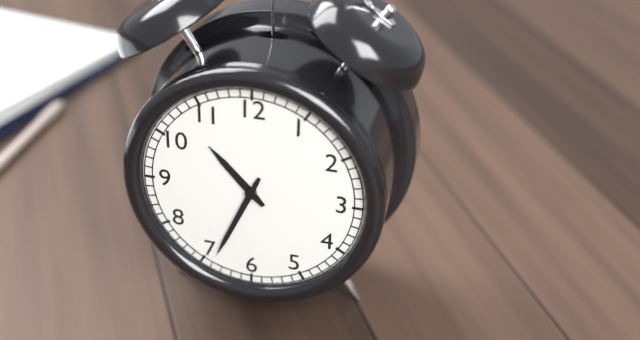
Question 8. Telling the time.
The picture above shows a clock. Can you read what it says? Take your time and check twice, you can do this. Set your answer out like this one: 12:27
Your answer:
10:34
